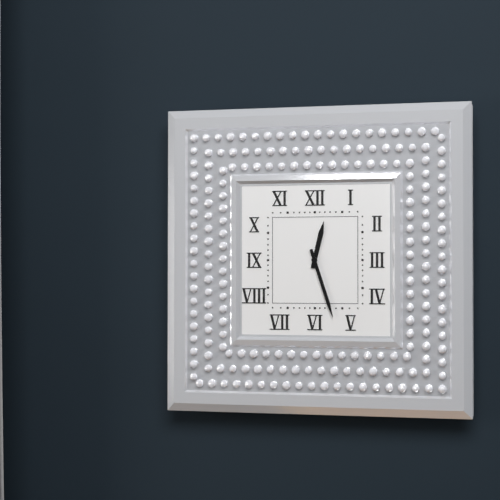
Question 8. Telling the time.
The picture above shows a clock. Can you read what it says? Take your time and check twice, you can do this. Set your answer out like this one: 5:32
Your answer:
12:27
